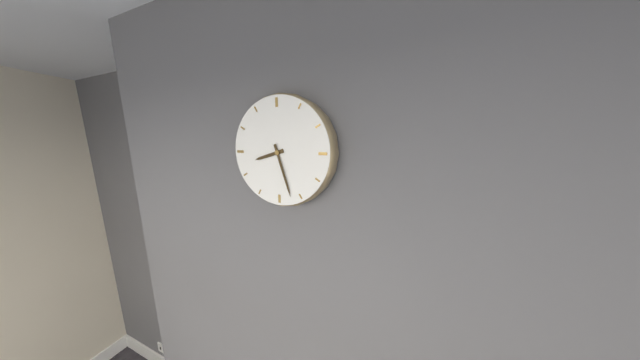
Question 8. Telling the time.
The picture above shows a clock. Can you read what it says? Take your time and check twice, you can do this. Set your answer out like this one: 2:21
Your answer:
8:27
